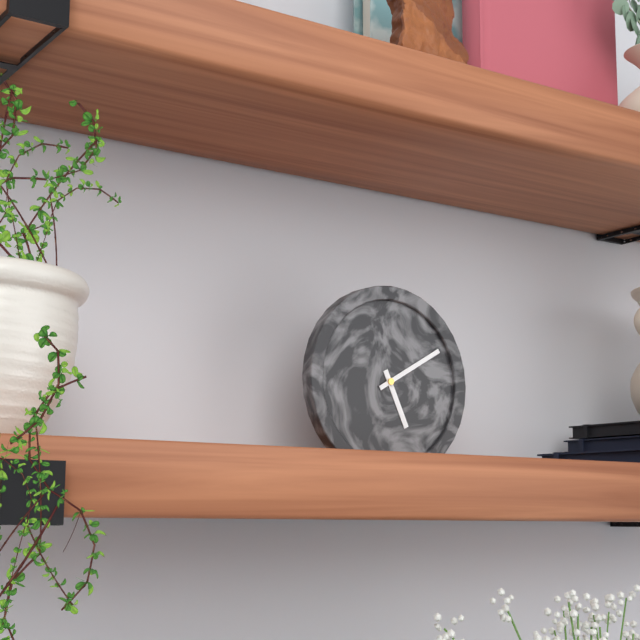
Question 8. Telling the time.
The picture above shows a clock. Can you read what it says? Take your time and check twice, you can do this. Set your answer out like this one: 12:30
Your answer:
5:10
